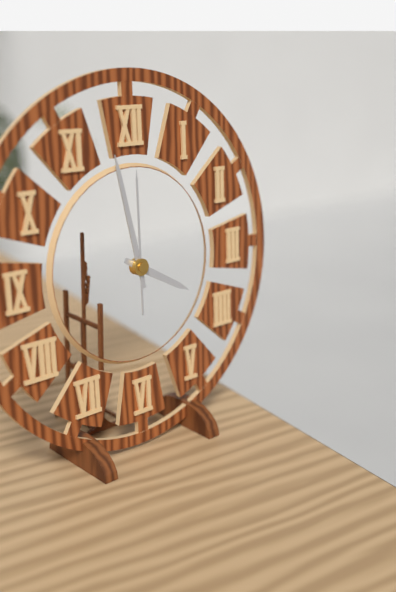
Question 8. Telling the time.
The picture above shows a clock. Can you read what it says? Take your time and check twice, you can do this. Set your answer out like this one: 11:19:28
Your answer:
3:58:00
